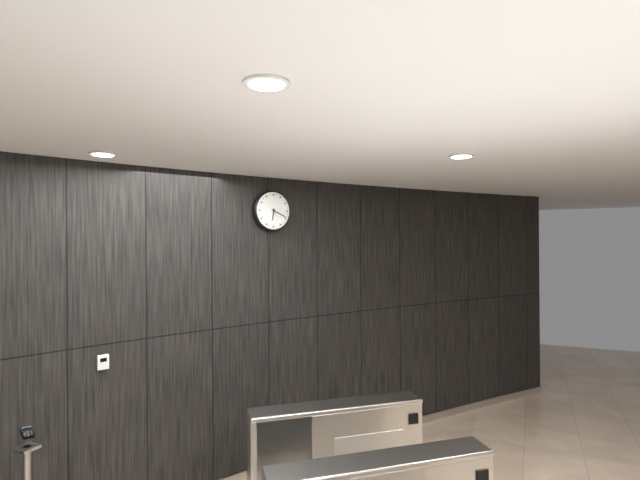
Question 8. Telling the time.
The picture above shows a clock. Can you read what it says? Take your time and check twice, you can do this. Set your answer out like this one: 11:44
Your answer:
6:19
